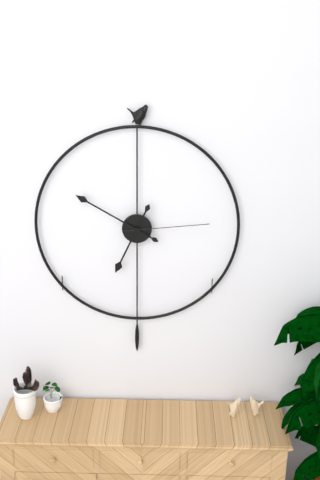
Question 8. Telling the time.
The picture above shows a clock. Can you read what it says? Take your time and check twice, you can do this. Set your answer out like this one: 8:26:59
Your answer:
6:50:14
